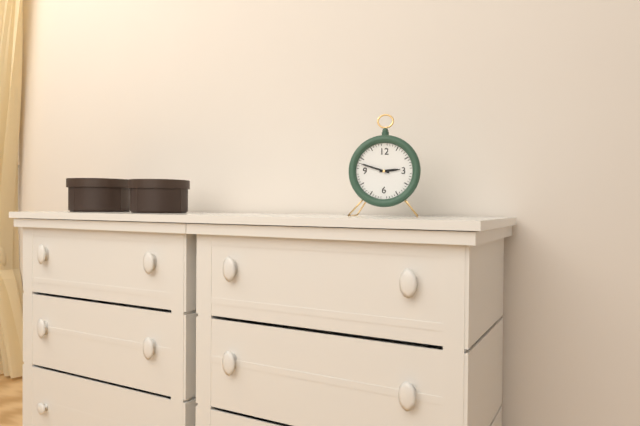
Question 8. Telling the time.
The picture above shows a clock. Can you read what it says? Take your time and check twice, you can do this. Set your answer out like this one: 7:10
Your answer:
2:48
